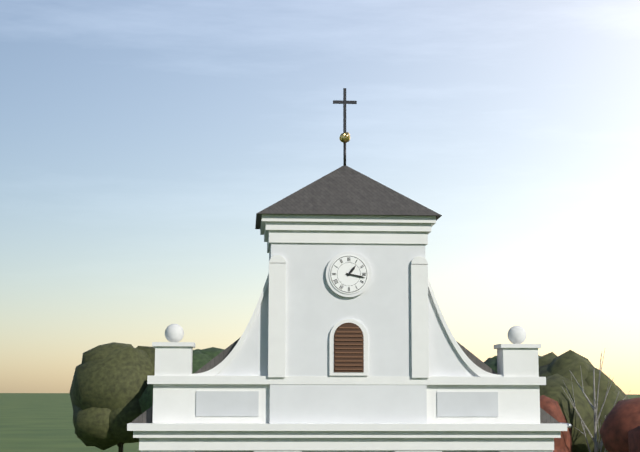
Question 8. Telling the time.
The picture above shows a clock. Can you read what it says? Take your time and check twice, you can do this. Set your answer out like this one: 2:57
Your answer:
1:17
